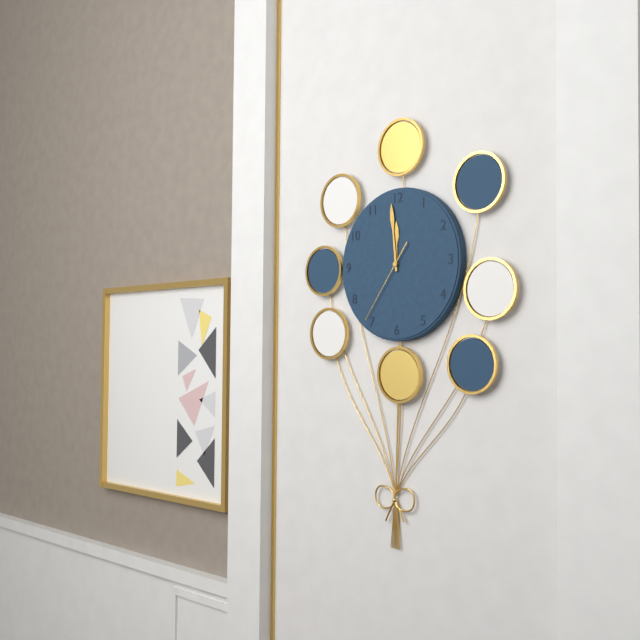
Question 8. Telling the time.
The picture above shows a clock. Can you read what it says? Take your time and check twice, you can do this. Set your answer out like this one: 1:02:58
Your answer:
11:59:36
